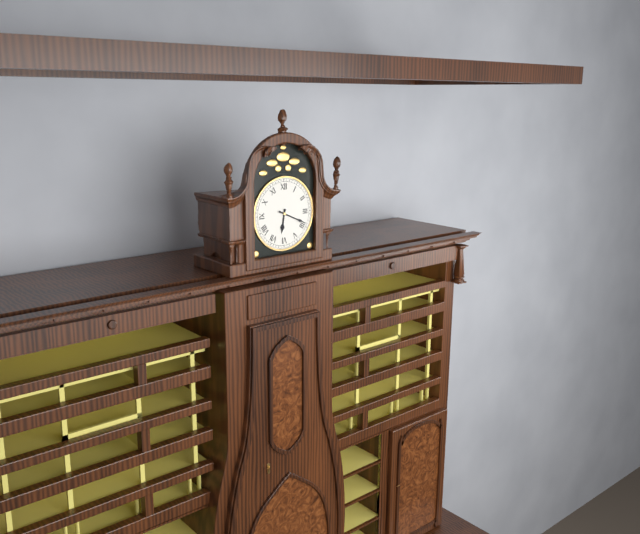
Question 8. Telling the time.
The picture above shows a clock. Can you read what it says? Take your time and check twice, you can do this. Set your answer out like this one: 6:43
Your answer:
6:19
